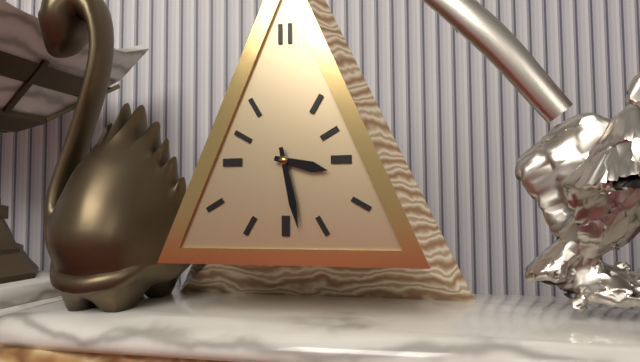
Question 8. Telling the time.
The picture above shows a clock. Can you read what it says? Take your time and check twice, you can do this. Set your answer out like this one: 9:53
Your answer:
3:28
